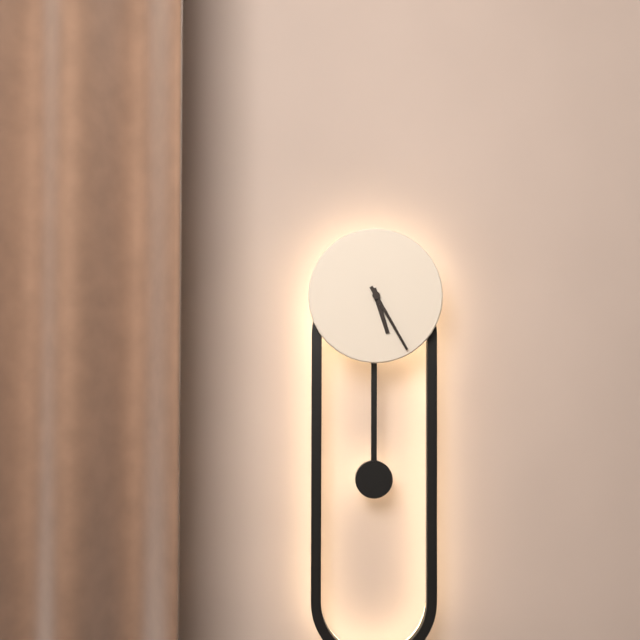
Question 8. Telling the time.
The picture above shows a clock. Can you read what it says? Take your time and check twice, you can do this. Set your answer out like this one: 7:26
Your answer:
5:25
